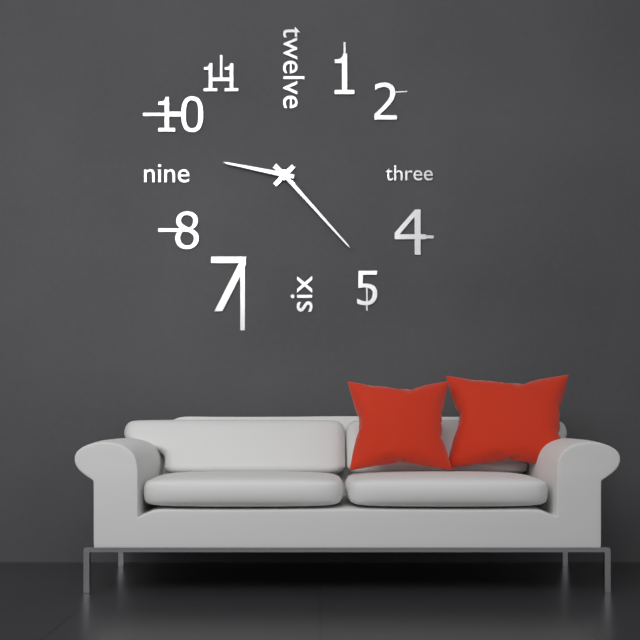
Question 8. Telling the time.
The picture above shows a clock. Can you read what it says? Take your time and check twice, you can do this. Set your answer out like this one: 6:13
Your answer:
9:23
